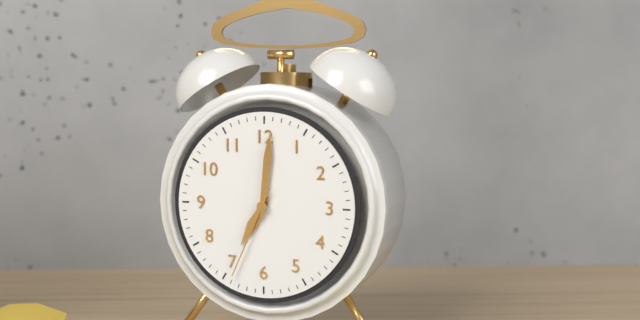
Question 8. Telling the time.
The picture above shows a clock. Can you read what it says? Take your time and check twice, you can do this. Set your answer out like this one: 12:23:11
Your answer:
7:01:34
